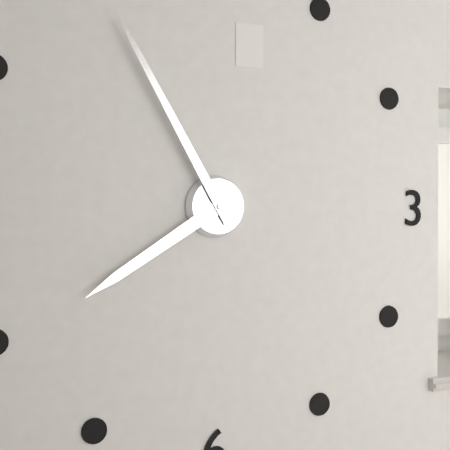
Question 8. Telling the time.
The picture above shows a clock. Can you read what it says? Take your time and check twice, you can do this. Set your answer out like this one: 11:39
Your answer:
7:55
